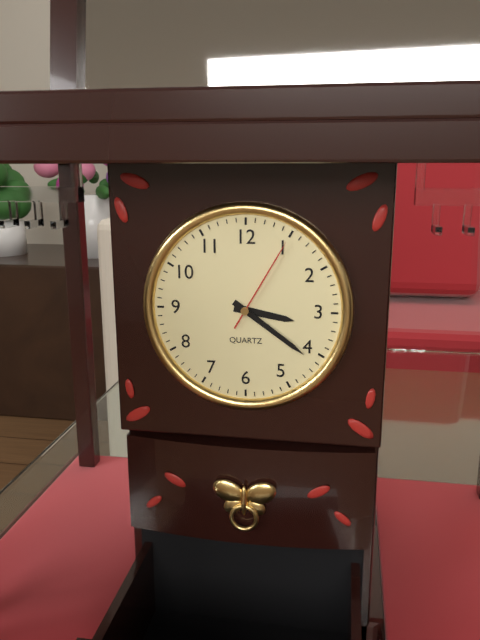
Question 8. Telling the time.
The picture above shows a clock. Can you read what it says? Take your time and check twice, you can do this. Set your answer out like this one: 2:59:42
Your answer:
3:21:05
